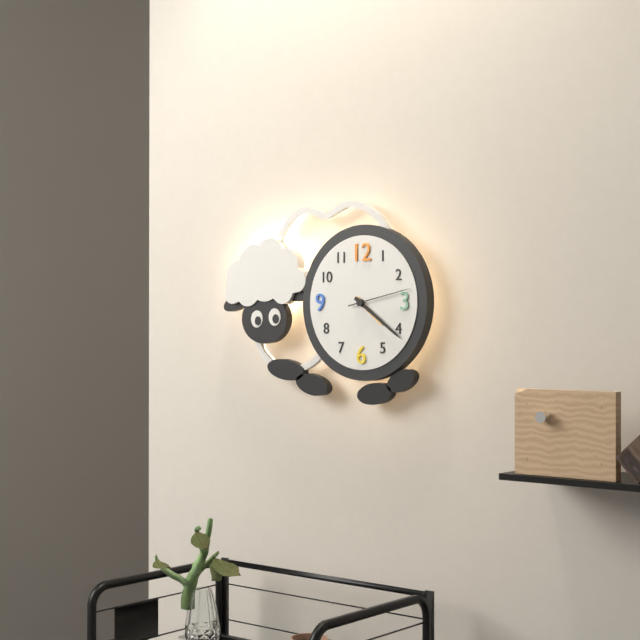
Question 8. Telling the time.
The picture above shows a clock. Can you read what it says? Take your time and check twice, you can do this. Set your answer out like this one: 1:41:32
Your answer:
4:21:13
